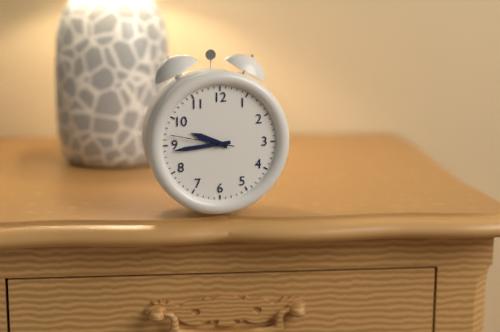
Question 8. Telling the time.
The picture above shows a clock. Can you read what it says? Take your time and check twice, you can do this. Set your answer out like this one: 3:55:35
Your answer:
9:44:47
